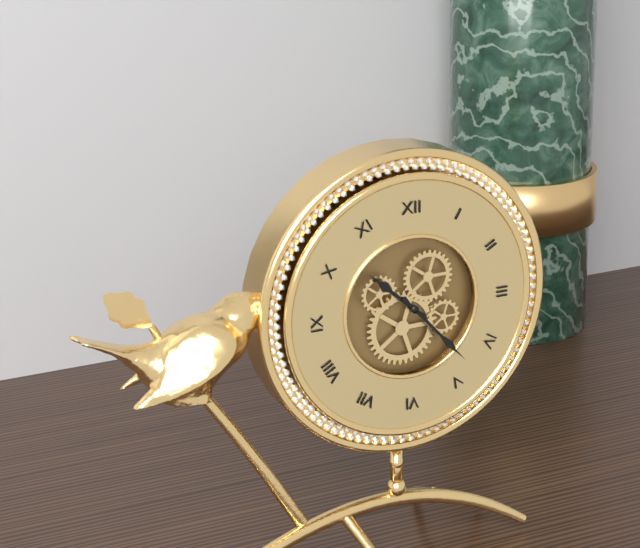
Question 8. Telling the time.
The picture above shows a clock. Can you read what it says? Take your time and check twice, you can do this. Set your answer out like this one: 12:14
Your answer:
10:23
